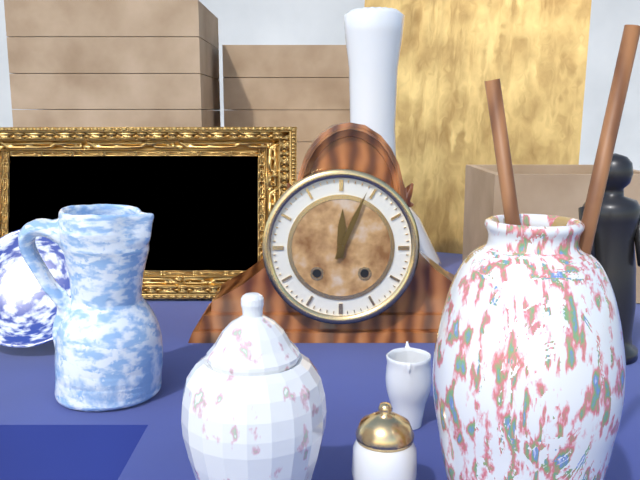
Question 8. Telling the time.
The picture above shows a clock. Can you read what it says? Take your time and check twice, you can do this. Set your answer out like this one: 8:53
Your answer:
12:04
